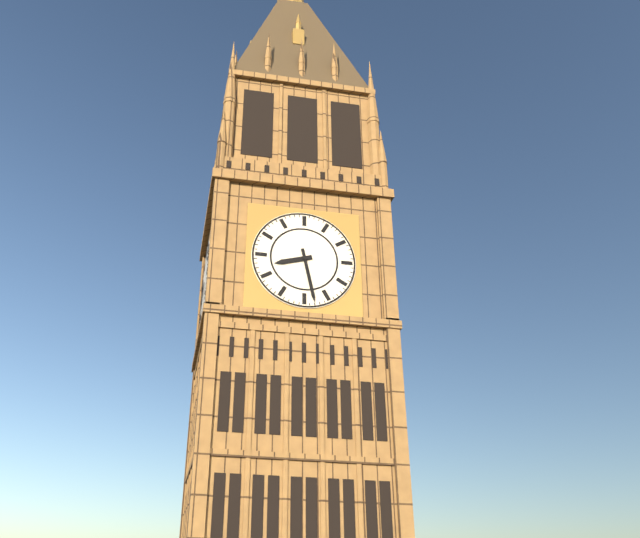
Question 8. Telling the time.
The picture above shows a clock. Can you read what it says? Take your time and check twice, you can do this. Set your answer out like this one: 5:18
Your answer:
8:28
